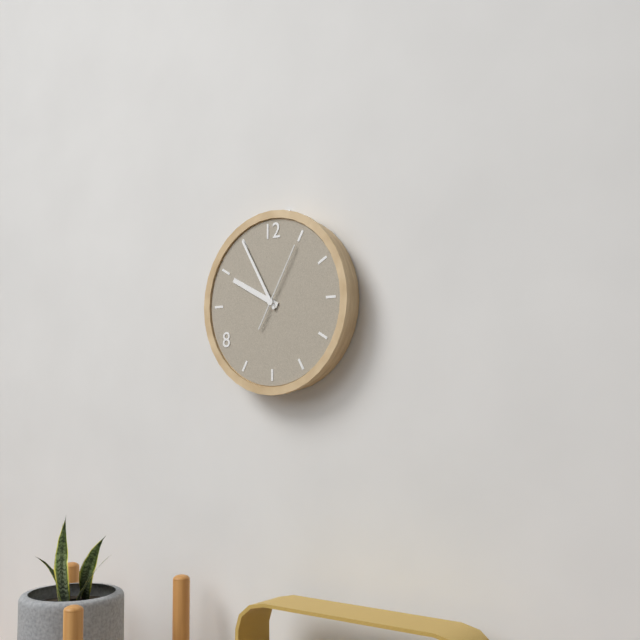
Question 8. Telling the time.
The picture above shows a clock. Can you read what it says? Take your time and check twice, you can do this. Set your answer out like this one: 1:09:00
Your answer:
9:55:05
